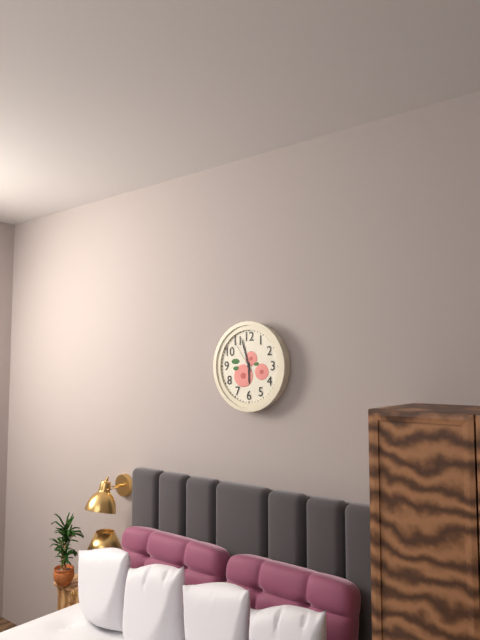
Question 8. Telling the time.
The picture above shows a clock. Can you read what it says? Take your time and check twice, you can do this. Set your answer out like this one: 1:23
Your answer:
5:57
